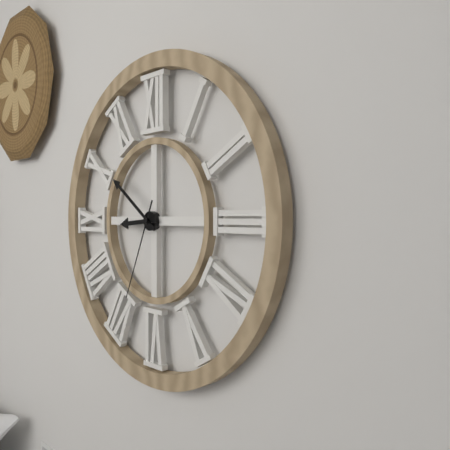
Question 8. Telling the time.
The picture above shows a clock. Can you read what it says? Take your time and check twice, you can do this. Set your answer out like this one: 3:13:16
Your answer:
8:51:34
